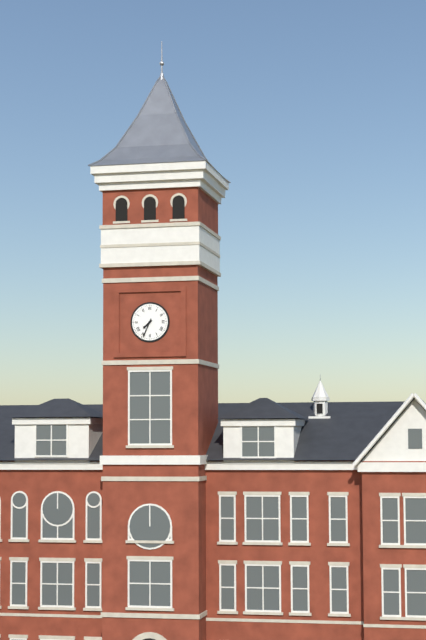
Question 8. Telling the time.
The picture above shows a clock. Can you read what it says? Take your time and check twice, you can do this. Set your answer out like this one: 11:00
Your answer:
7:34
